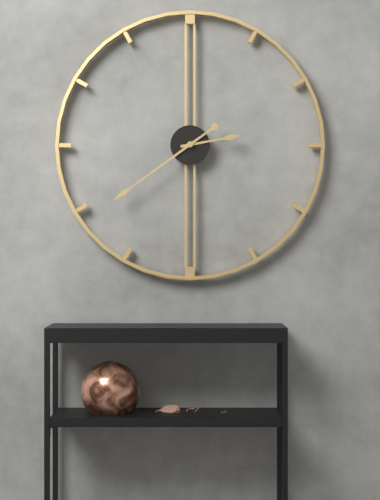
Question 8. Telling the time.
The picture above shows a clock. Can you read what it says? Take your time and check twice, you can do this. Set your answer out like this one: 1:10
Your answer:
2:39
